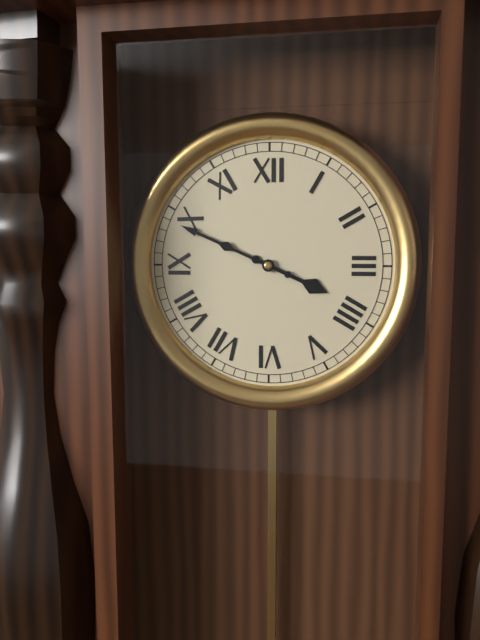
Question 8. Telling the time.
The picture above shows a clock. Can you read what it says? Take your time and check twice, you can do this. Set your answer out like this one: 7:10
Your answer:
3:49
